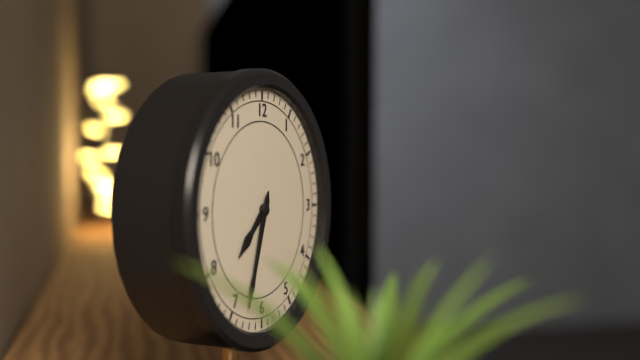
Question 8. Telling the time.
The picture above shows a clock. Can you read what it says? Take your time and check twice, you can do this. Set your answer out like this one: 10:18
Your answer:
7:33
